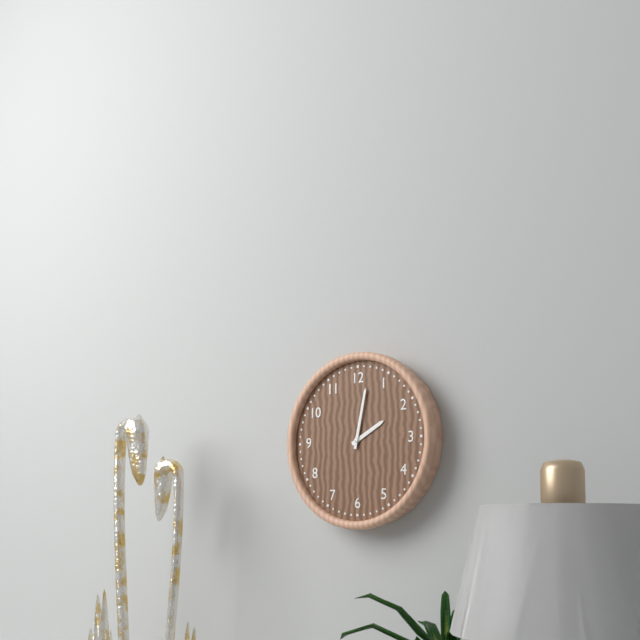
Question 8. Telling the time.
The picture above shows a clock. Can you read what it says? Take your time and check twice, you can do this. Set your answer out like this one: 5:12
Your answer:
2:02
